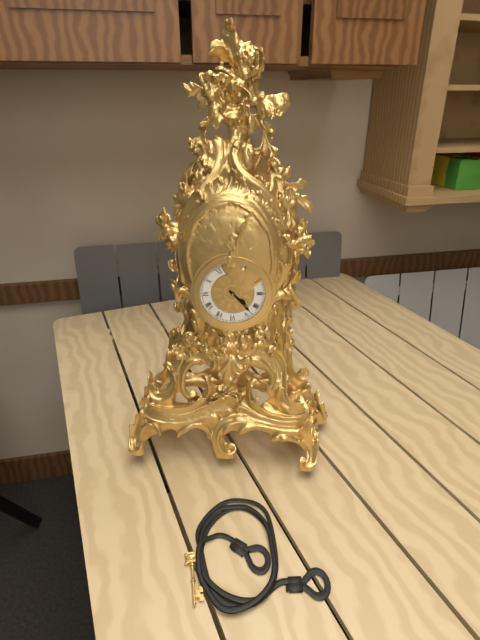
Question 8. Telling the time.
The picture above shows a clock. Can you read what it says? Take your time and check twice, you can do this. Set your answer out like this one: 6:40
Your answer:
4:23
